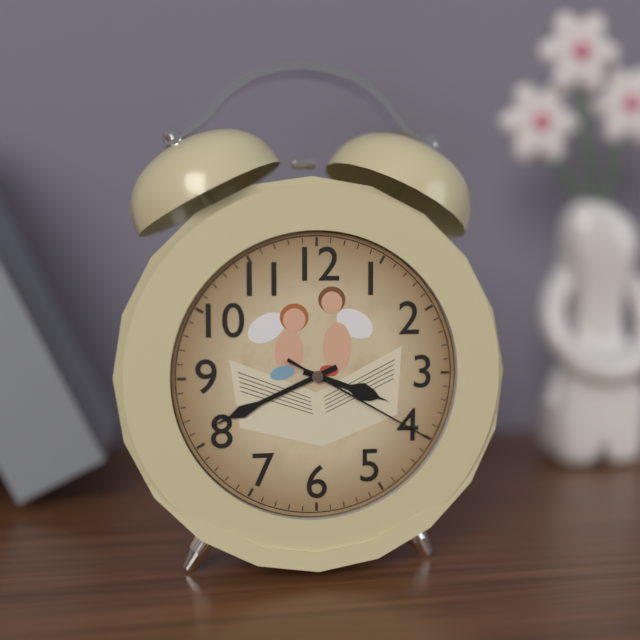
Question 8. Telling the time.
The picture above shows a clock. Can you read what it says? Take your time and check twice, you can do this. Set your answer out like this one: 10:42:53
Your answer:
3:41:20
